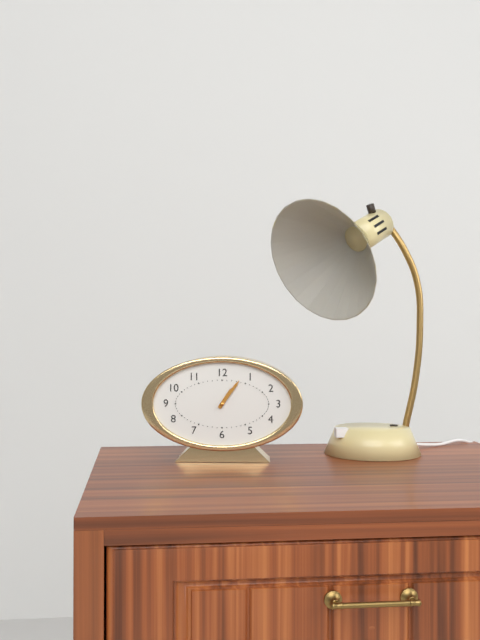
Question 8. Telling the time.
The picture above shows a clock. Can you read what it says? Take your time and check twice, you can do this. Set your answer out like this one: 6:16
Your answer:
1:06
